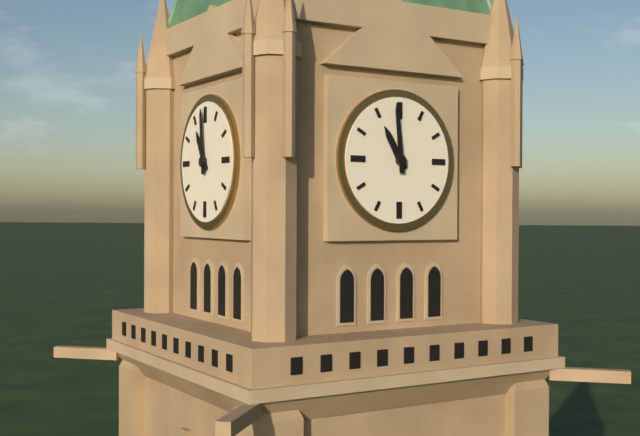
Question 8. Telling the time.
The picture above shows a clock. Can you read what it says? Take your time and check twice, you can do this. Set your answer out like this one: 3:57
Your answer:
10:59
